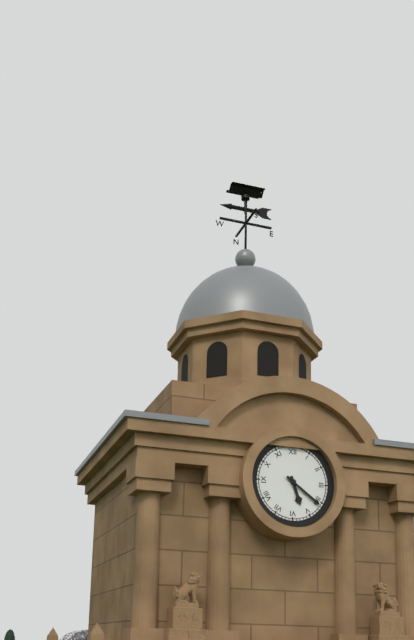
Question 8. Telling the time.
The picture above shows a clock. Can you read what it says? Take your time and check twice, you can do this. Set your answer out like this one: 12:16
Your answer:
5:21
